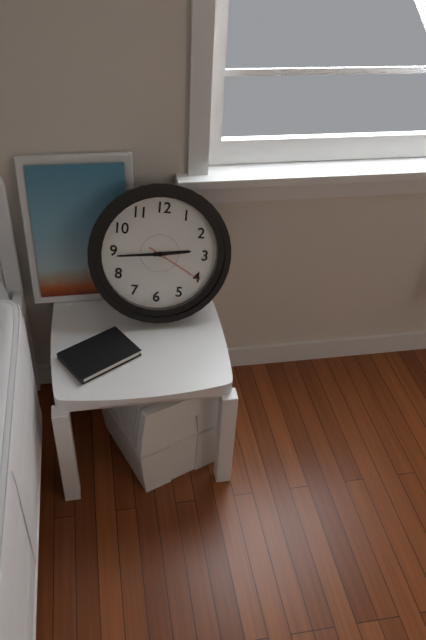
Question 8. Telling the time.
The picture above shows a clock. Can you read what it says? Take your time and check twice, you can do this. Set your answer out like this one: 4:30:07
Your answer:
2:44:20
